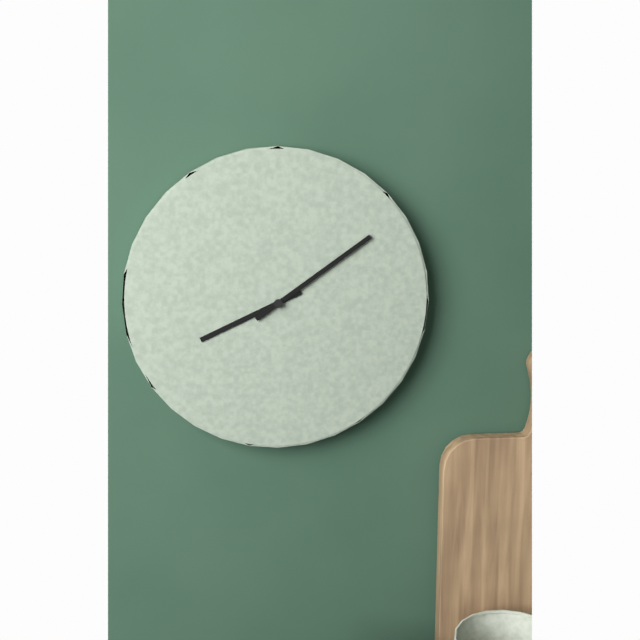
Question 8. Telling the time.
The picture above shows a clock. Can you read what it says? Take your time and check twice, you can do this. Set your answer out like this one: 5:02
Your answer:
8:09
